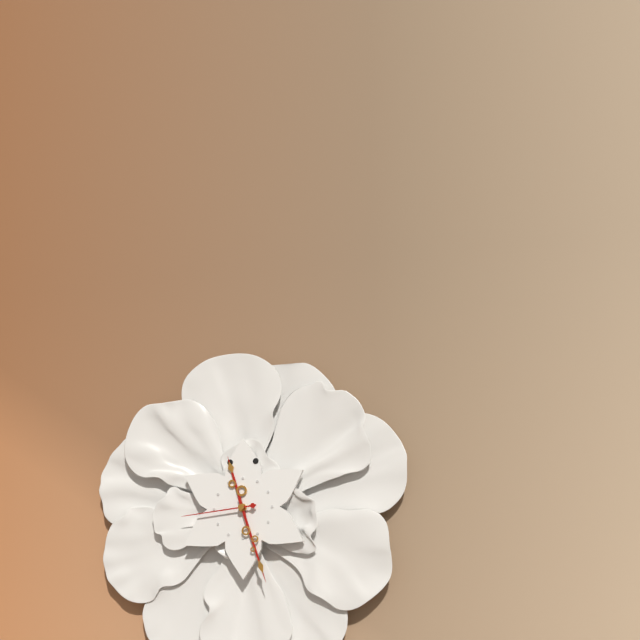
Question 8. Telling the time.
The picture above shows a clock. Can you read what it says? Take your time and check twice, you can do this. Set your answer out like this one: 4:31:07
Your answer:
11:27:44
